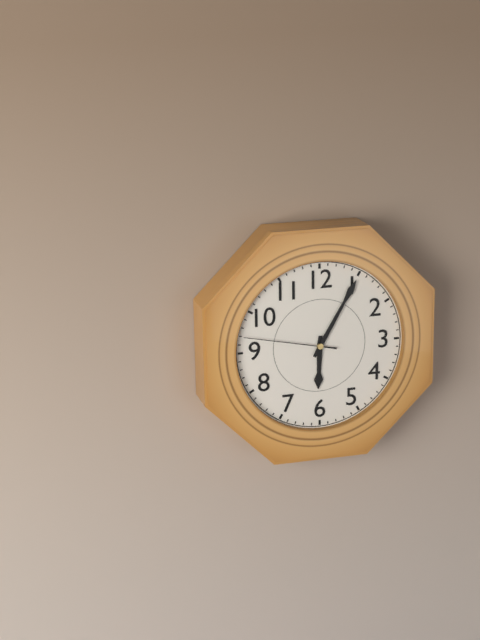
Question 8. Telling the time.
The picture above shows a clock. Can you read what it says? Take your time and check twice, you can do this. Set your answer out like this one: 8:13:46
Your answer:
6:05:47
